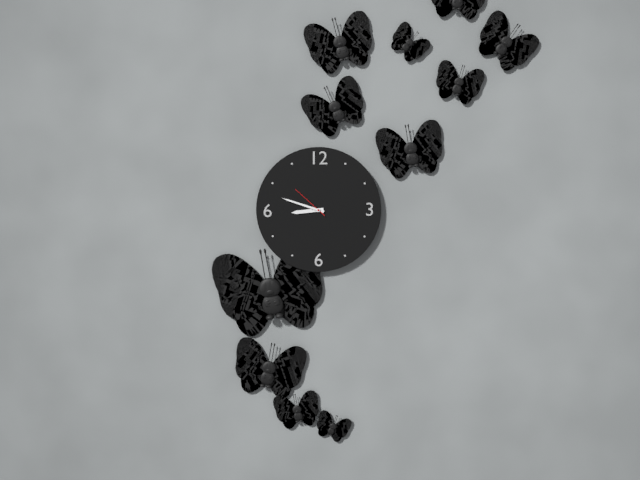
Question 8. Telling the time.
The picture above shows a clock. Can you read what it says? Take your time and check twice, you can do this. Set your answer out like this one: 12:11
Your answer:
8:48
